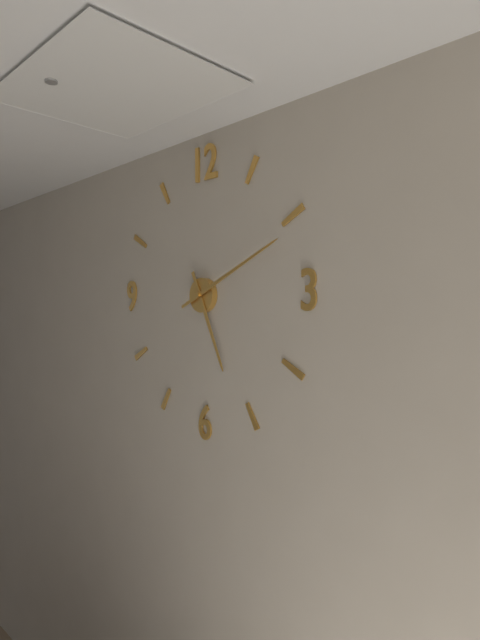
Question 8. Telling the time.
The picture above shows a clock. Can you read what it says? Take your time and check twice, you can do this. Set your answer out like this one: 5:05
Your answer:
5:11
